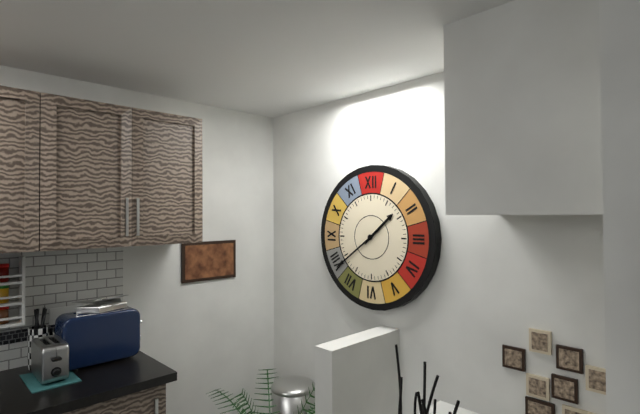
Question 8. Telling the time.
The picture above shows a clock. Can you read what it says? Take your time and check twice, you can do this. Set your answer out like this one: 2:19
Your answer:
1:39
